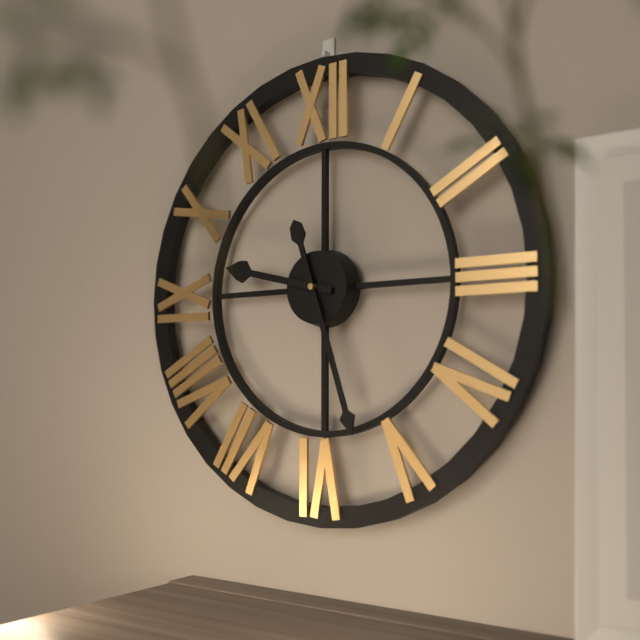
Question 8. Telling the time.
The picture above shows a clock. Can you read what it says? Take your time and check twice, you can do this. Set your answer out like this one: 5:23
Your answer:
9:27
